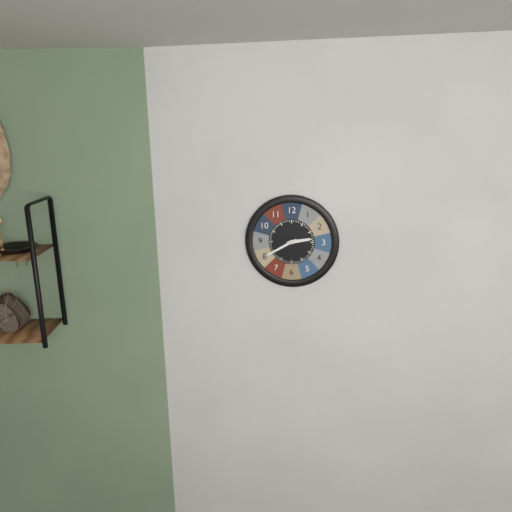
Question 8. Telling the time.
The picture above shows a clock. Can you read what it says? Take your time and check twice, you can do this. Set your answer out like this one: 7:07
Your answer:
2:40
